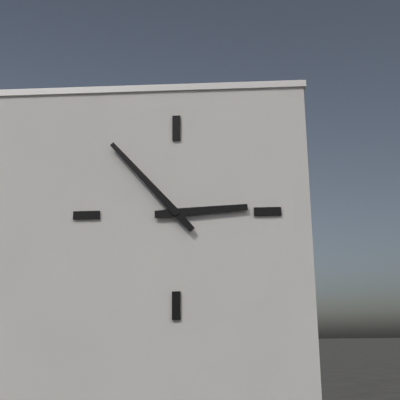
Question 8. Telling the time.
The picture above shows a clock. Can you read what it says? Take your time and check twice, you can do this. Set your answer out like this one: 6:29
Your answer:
2:53
